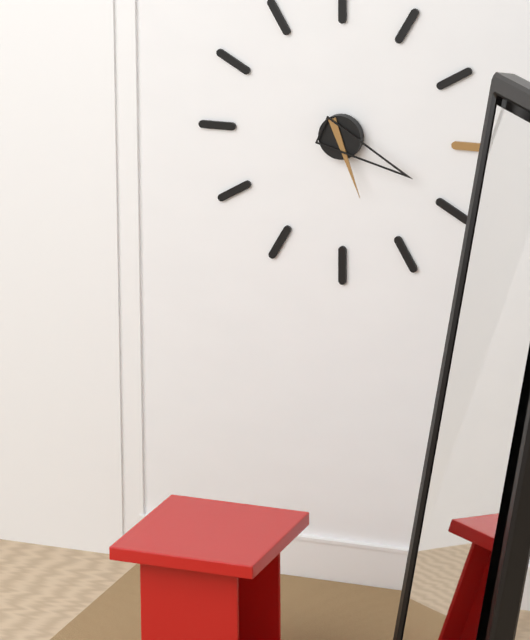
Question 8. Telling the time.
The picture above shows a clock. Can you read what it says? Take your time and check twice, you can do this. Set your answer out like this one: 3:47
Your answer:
5:19
